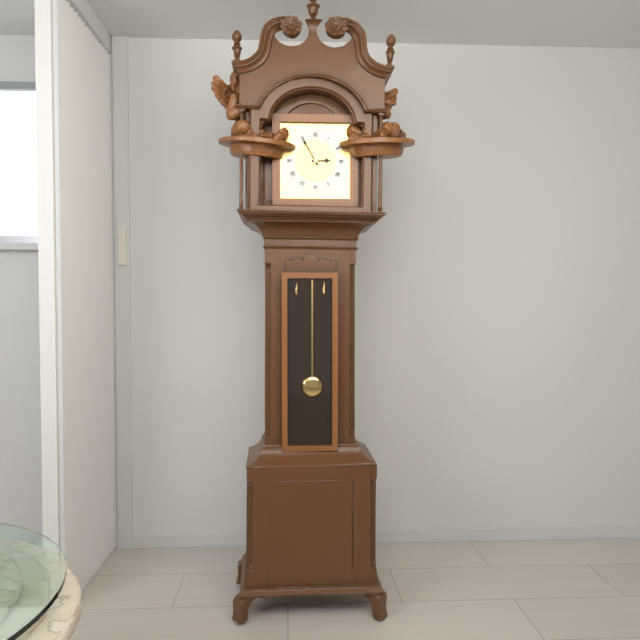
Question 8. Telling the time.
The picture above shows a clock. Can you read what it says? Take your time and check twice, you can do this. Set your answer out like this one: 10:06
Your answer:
2:55
